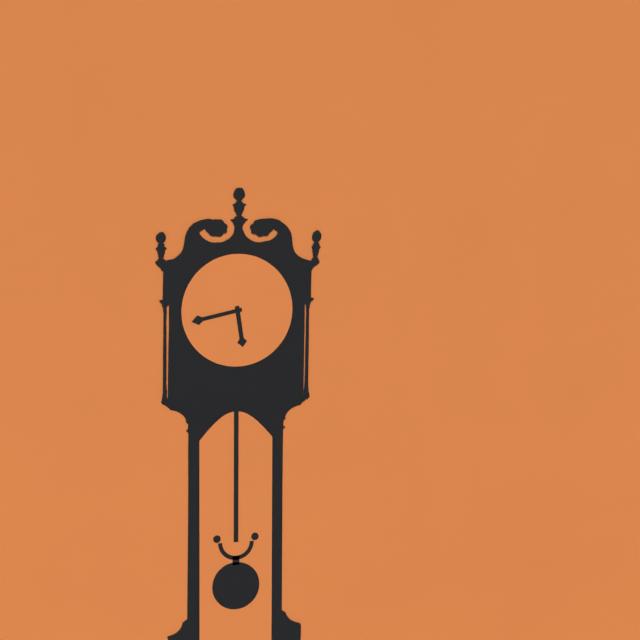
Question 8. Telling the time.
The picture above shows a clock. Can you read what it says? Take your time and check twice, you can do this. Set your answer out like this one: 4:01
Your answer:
5:43
